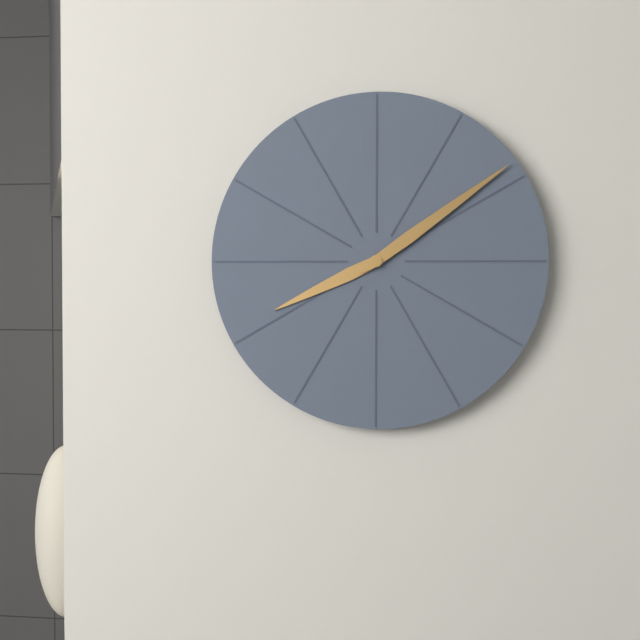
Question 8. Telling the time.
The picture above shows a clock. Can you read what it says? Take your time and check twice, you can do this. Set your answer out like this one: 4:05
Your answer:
8:09
